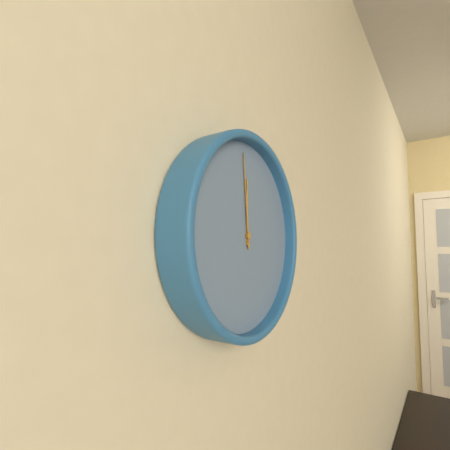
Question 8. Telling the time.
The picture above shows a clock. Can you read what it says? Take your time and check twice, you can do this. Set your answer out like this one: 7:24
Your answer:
11:59
